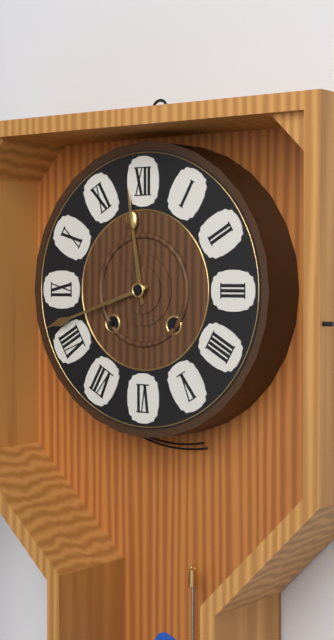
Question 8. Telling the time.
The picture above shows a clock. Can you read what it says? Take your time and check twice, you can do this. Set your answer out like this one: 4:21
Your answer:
11:42
